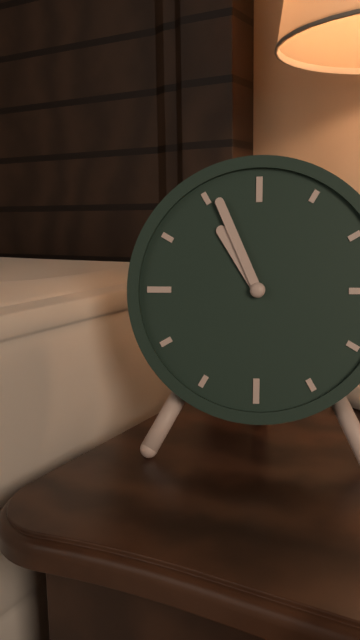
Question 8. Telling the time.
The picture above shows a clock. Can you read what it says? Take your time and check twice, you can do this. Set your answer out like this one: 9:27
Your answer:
10:56
